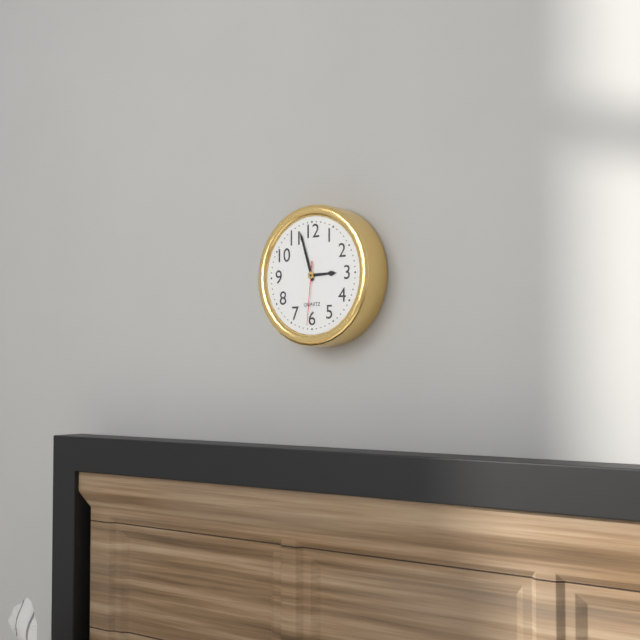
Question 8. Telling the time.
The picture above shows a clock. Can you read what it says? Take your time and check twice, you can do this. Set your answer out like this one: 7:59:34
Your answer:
2:57:31
